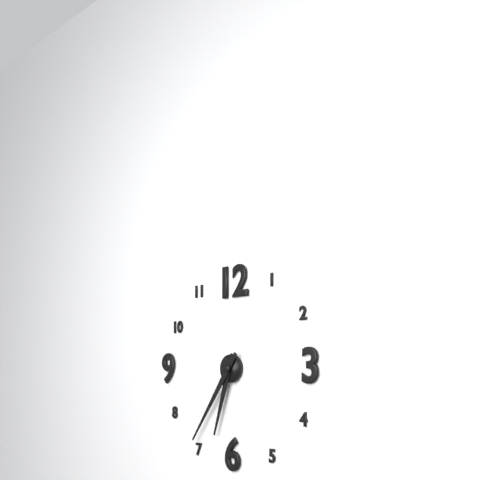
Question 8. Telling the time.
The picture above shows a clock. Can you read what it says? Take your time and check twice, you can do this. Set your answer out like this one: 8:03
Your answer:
6:36
